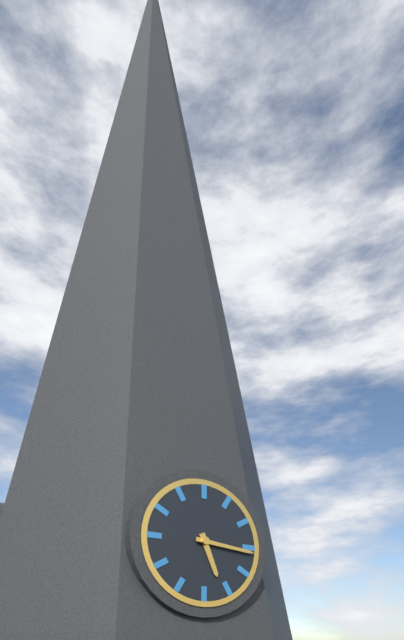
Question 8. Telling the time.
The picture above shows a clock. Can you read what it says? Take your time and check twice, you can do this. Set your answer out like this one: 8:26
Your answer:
5:16
